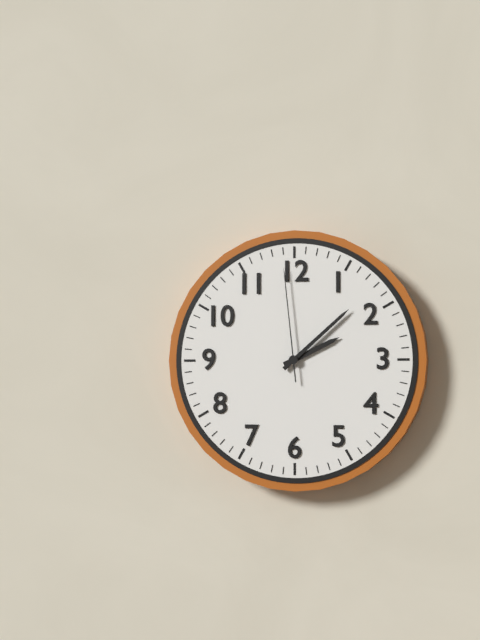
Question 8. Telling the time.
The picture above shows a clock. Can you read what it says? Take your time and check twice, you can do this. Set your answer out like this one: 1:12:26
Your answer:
2:08:59
